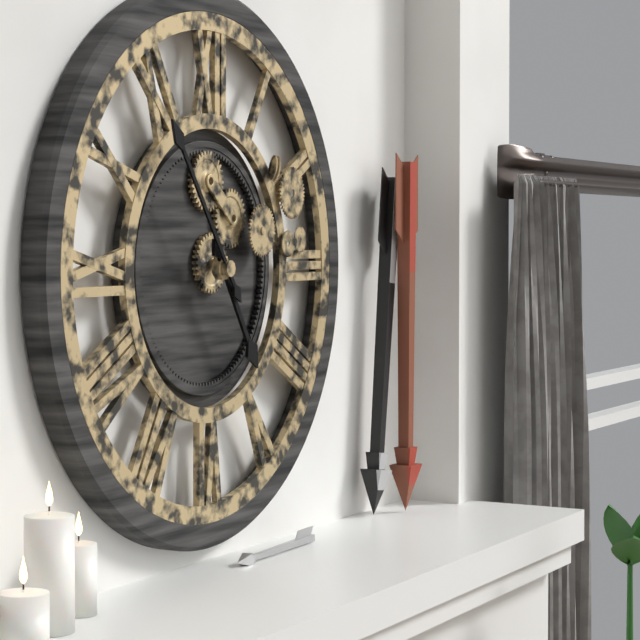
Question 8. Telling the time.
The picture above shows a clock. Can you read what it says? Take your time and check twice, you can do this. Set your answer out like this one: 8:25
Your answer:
4:54
